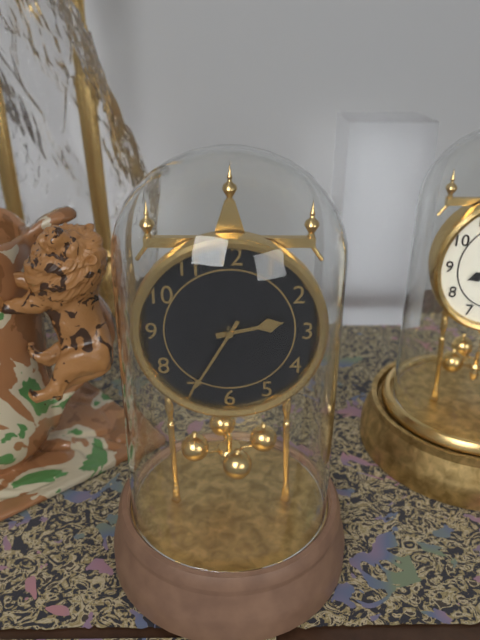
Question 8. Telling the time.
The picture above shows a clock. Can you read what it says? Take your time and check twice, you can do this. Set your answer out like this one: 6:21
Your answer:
2:35
